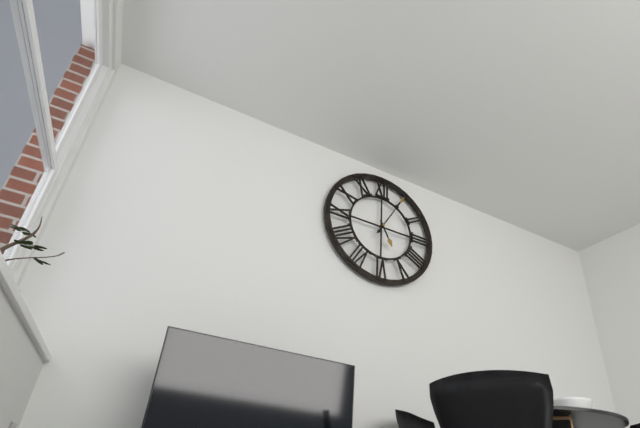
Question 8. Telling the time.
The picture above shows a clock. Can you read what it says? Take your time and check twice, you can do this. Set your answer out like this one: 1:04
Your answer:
5:05
